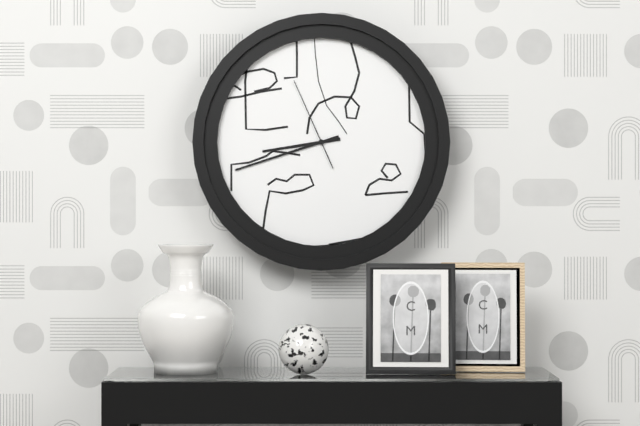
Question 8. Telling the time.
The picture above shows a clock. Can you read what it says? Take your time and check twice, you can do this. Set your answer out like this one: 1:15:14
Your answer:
8:42:56
